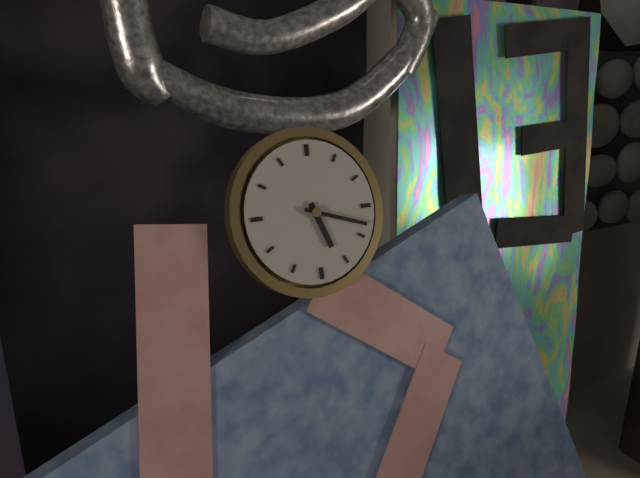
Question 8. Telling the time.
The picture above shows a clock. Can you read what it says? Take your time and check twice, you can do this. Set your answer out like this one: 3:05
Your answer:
5:18
